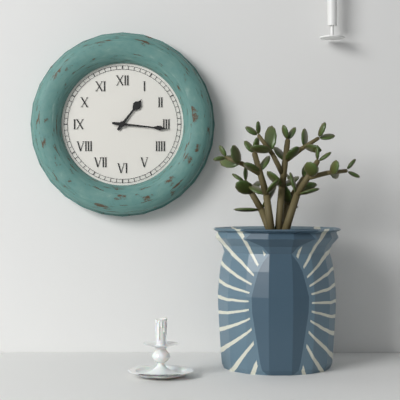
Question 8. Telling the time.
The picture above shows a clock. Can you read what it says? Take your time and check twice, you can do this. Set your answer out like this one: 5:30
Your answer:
1:16
